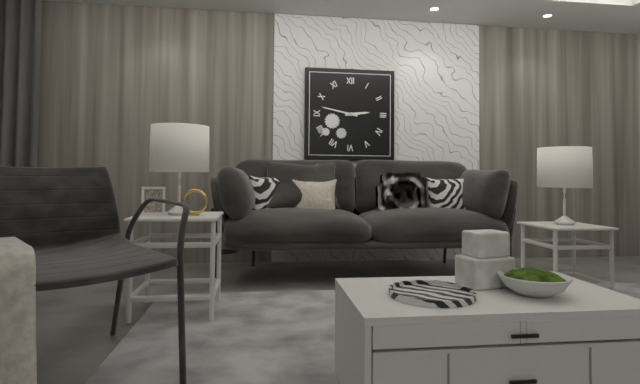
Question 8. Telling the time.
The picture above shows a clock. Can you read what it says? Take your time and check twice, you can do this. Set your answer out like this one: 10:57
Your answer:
2:47
